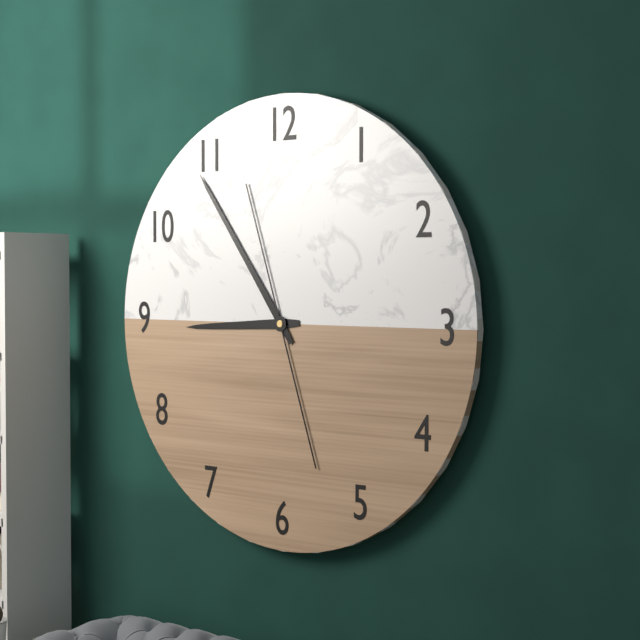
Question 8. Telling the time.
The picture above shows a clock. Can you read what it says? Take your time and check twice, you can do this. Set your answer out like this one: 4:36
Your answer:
8:54
